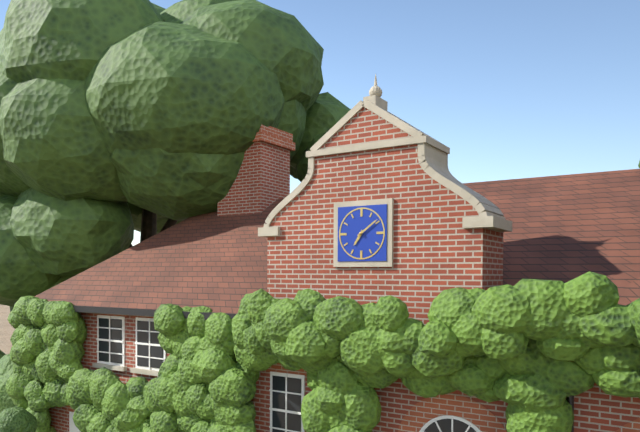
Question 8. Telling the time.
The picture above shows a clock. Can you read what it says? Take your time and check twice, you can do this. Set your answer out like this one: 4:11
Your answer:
7:09
